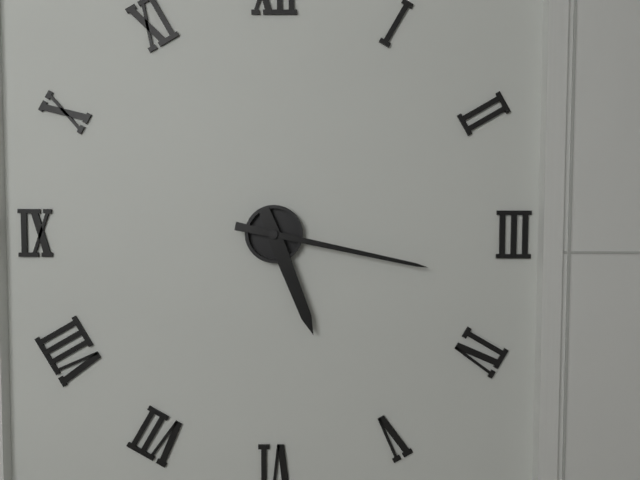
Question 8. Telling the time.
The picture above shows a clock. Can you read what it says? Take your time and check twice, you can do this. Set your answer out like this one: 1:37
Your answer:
5:17
